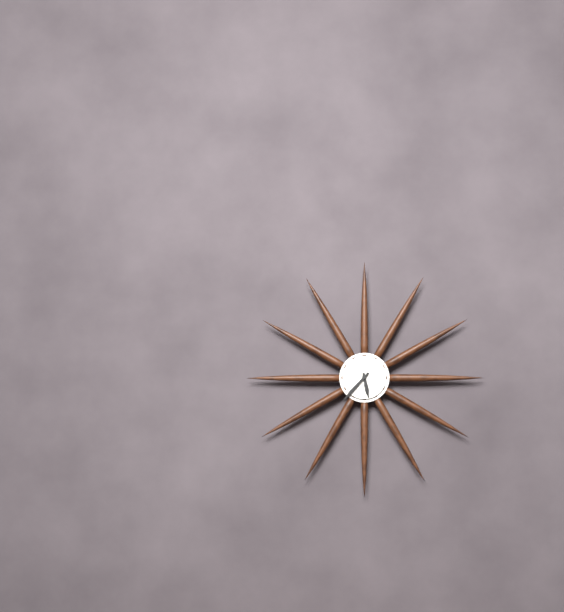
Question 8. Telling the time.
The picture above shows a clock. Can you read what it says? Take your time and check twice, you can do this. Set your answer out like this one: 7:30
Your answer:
5:37
